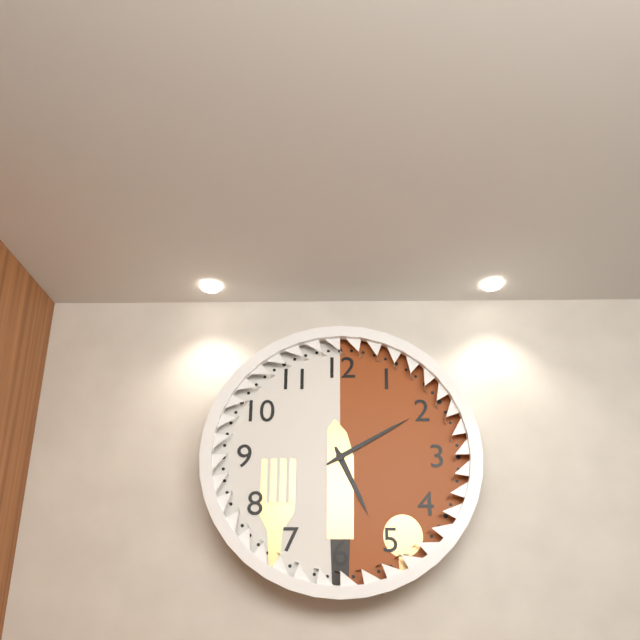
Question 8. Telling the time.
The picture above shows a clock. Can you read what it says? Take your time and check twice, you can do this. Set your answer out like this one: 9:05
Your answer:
5:10
